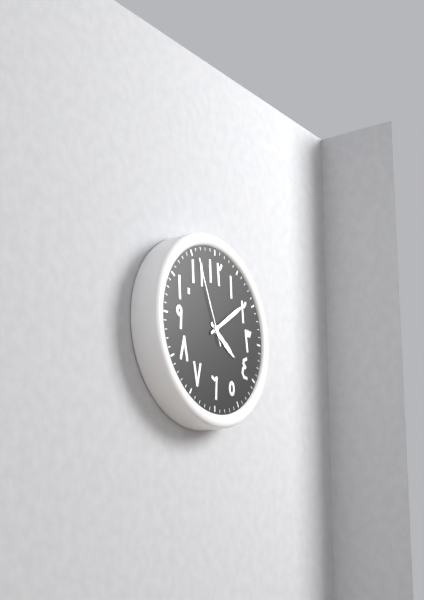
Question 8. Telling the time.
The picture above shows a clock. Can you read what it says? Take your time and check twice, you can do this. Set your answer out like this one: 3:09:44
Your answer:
4:09:56
